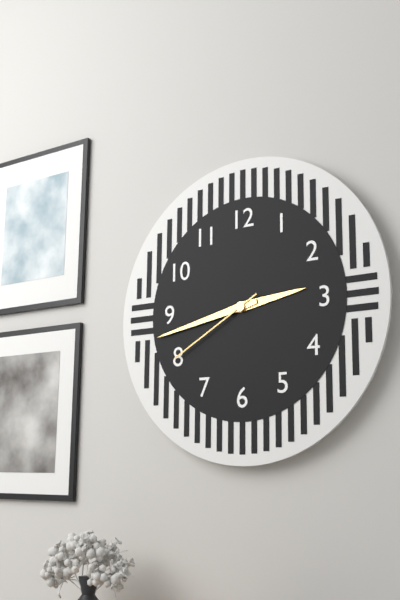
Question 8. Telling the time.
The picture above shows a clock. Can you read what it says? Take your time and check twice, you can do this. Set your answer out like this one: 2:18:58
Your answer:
2:43:40
